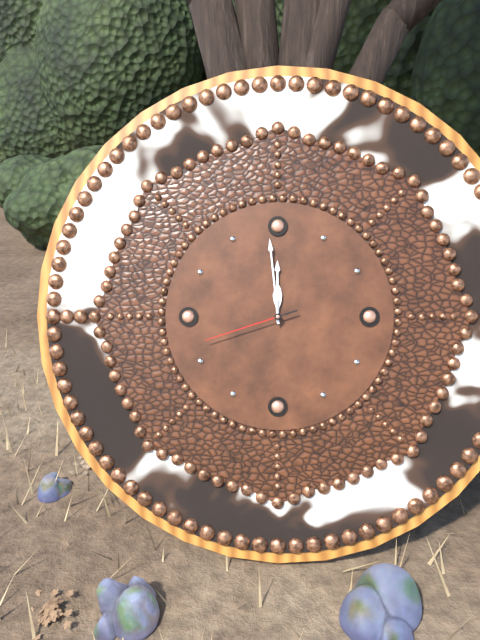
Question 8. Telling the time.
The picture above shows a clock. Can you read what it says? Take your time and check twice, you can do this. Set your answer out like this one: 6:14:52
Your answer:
11:59:42
